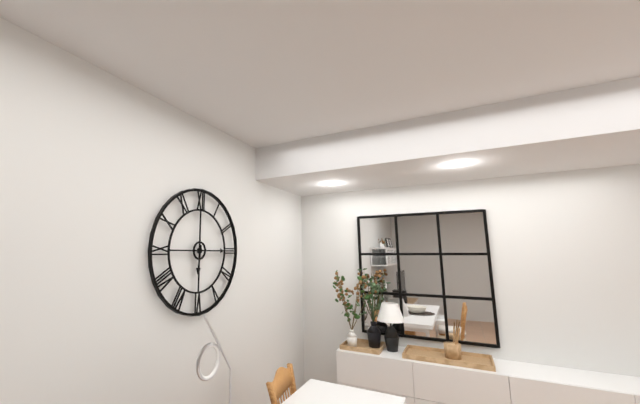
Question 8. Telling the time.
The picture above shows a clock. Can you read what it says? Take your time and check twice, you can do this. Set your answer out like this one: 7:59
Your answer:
6:15
